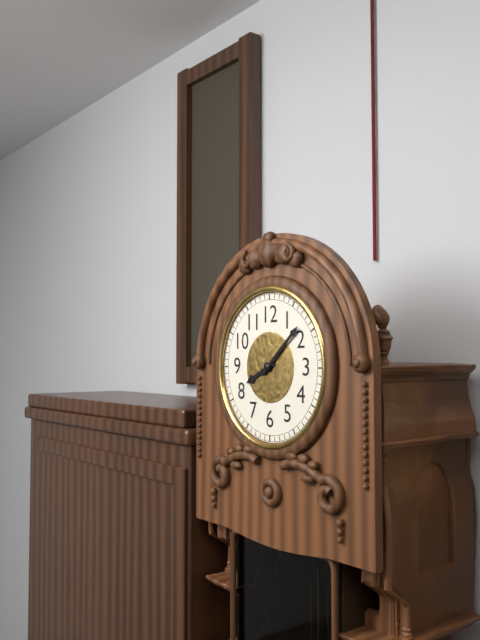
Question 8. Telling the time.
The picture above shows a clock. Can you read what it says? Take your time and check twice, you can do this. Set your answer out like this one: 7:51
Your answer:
8:08
